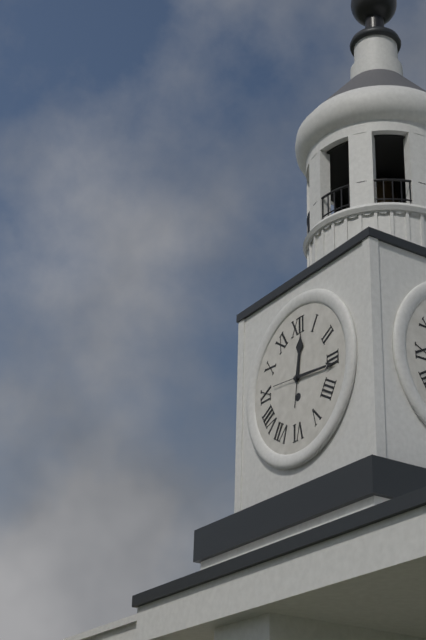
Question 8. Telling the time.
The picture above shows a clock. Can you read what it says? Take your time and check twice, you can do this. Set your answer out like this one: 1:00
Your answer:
12:16
